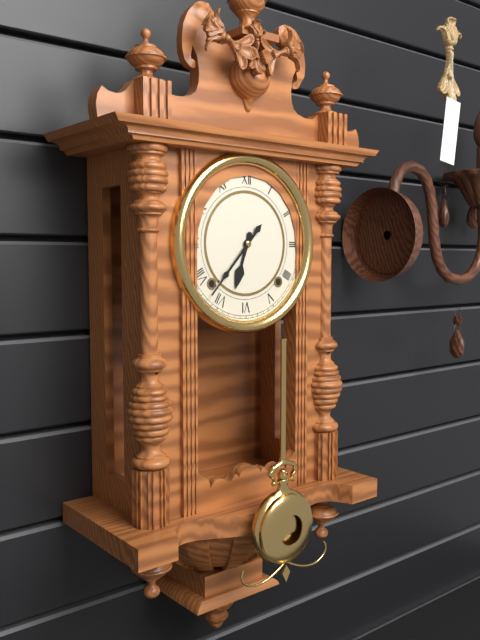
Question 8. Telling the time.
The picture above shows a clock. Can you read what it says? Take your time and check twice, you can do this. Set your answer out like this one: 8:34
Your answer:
6:37
